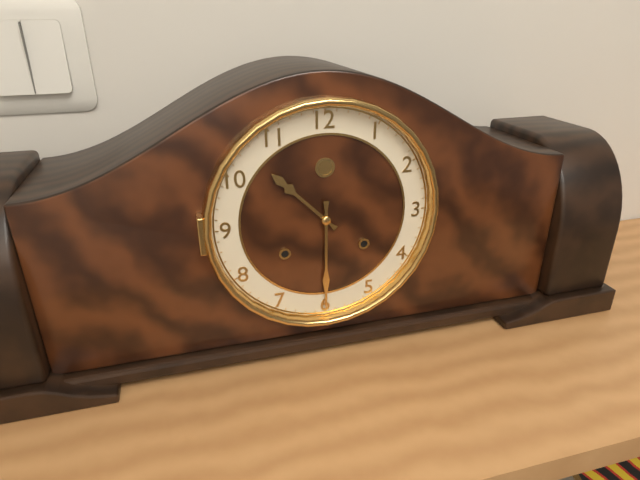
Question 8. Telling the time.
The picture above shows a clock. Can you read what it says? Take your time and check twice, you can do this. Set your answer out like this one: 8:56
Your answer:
10:30
